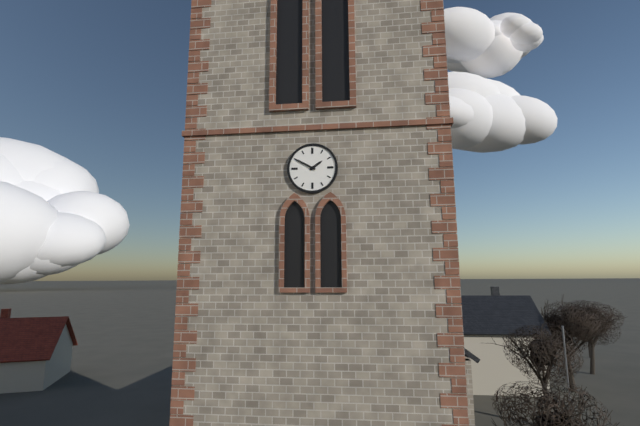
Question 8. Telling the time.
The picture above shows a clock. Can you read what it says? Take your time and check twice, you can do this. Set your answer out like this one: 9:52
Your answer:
1:50
